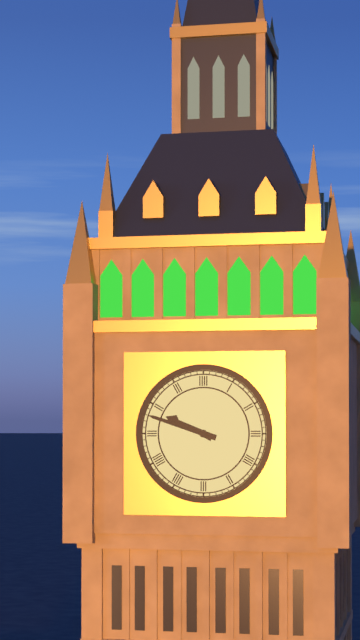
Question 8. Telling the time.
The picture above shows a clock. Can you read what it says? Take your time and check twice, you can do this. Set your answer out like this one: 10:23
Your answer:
9:48
